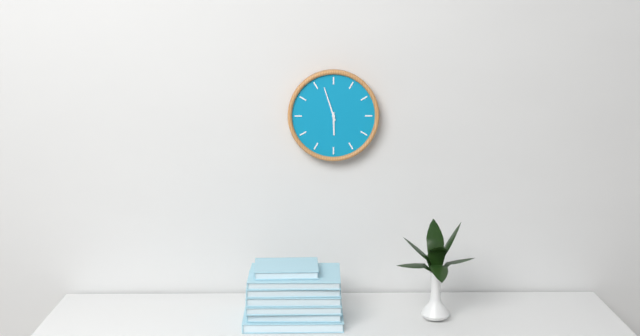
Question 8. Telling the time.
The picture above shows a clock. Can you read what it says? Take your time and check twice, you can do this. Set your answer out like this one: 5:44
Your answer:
5:57
